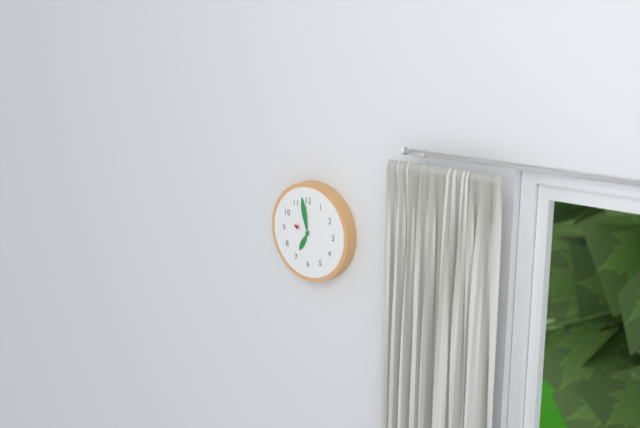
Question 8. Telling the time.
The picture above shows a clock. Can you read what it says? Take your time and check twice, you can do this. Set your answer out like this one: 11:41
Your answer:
6:58
